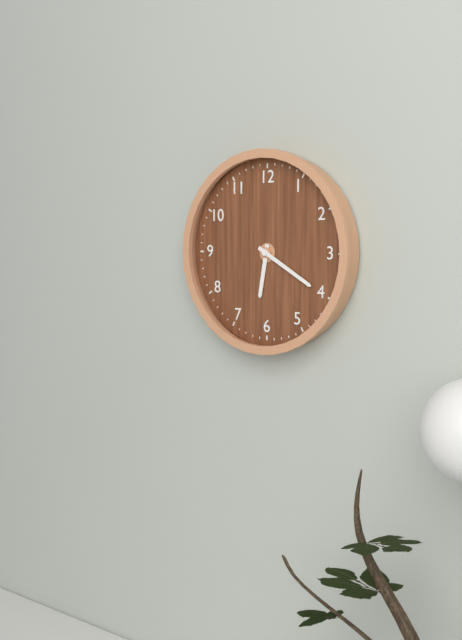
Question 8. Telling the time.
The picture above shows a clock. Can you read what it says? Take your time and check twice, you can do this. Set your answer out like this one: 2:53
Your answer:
6:20
